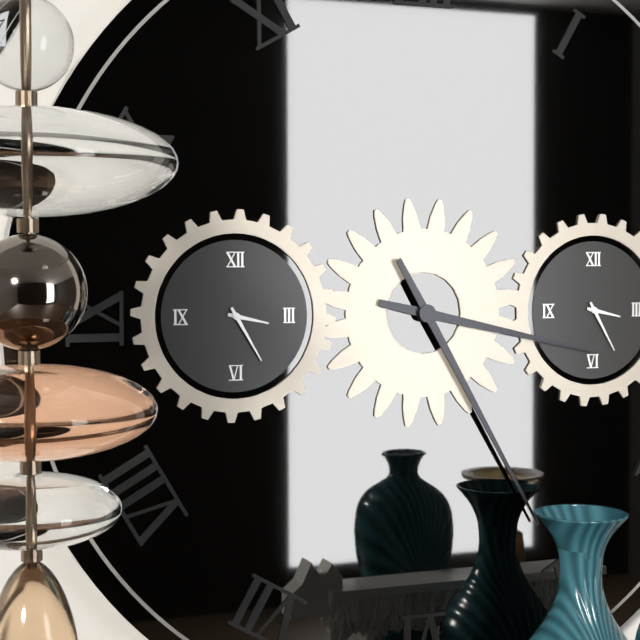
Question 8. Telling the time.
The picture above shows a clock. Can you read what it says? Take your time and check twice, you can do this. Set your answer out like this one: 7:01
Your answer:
3:25
